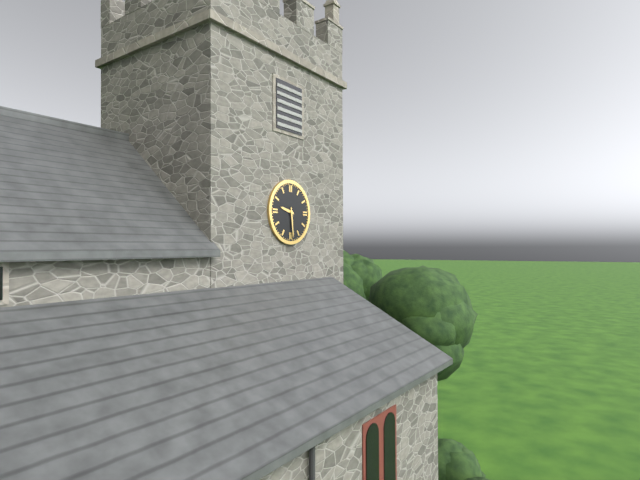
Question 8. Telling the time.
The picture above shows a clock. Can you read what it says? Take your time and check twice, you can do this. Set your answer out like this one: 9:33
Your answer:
9:29
